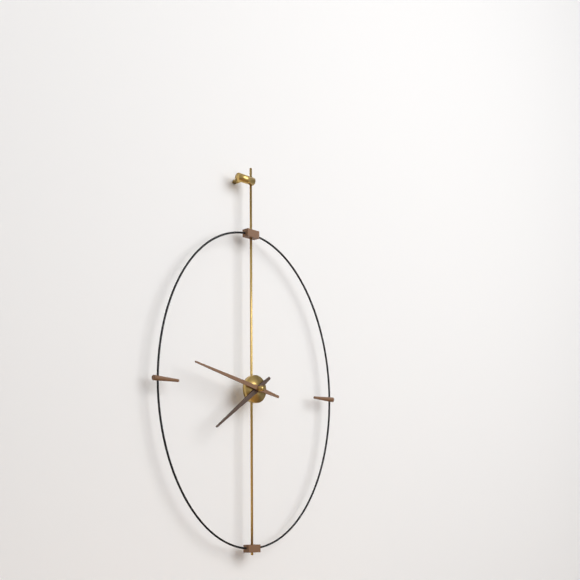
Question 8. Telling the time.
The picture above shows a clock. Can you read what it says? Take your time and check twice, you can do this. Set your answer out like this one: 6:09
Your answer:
7:47
